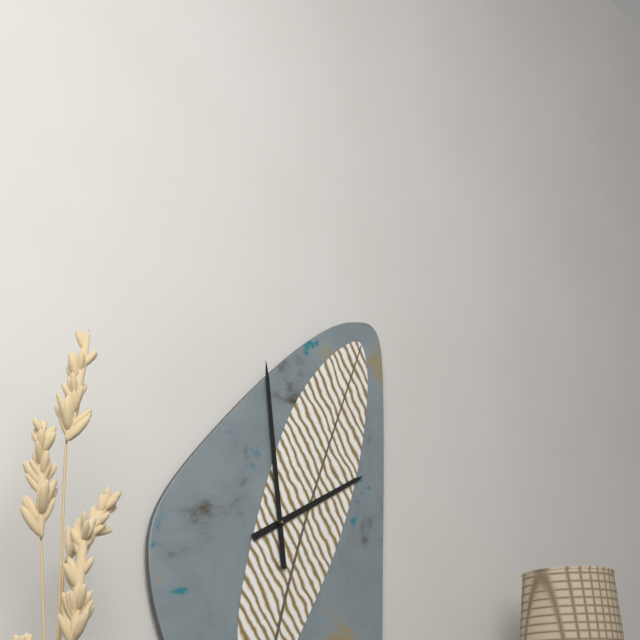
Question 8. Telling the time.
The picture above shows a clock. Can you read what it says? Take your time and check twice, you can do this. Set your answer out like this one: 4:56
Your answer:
1:59
